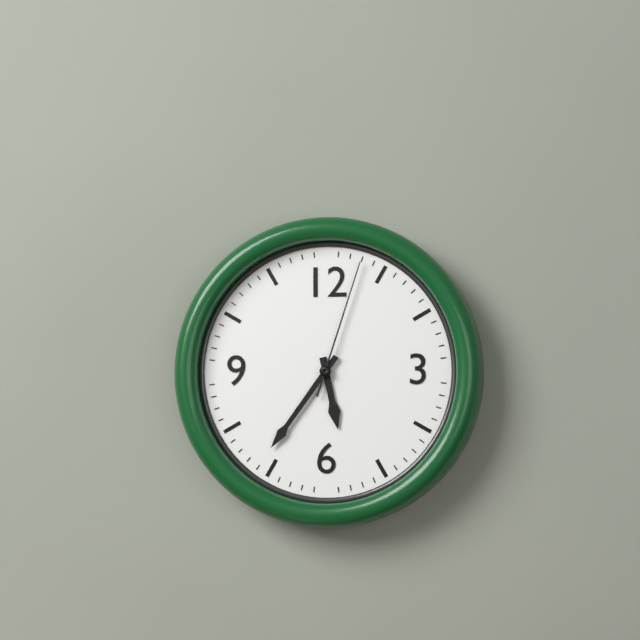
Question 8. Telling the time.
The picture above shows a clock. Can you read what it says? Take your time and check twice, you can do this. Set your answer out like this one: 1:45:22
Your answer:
5:36:03
